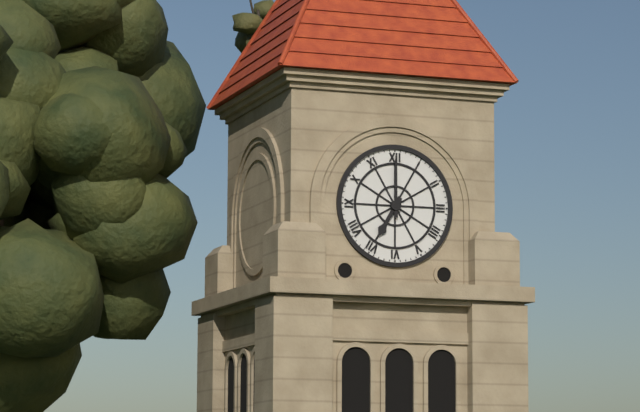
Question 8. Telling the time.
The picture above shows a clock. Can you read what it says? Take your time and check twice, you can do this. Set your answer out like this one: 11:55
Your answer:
7:00
